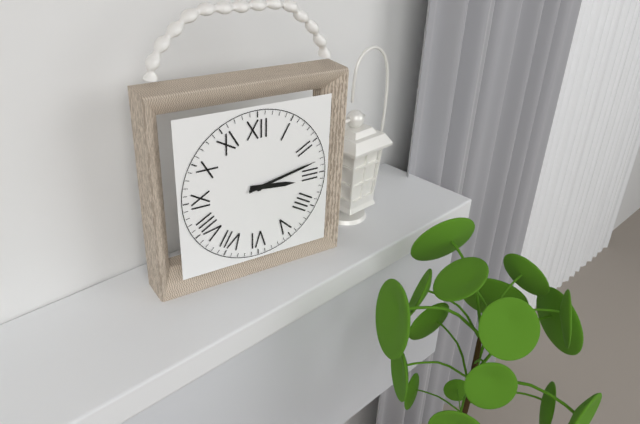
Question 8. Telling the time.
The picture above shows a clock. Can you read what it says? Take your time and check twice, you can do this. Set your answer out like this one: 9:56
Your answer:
3:13
